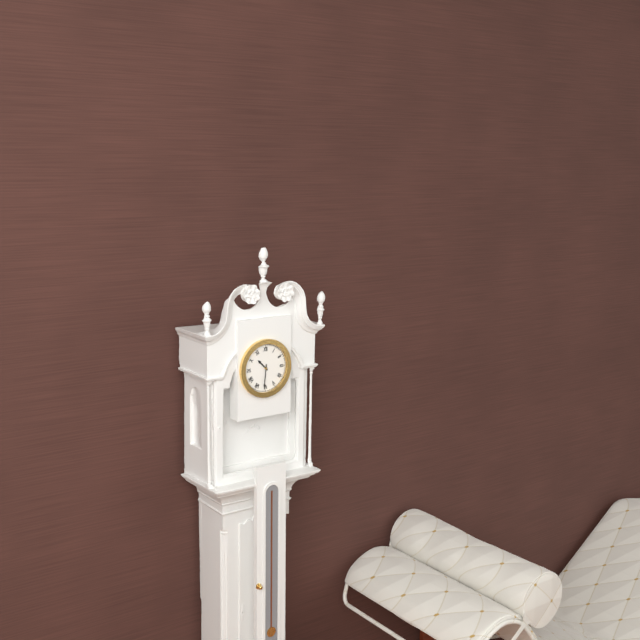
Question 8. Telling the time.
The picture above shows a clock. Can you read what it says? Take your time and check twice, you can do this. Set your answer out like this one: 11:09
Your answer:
10:31
